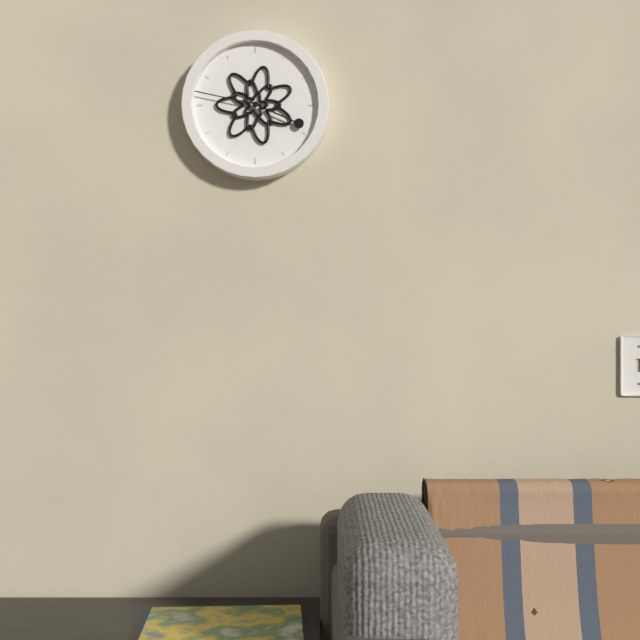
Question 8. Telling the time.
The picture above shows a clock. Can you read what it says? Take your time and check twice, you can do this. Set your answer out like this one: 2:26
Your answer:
3:47
